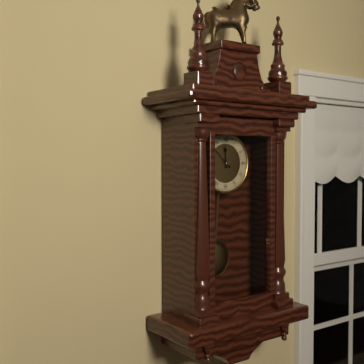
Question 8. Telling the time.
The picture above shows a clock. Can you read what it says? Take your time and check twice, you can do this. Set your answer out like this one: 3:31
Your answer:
11:52
